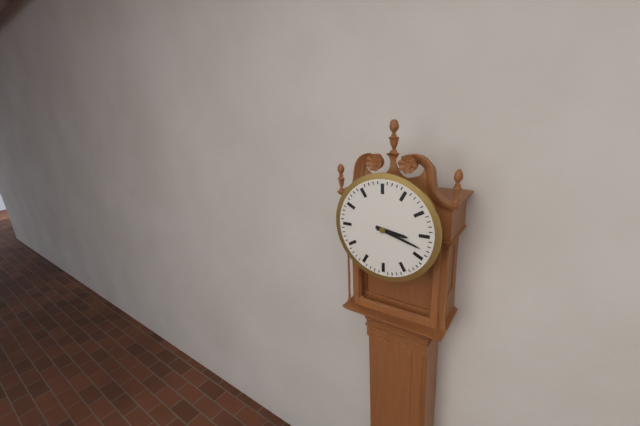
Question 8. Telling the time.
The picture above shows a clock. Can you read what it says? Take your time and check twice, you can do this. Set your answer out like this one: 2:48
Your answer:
3:18
